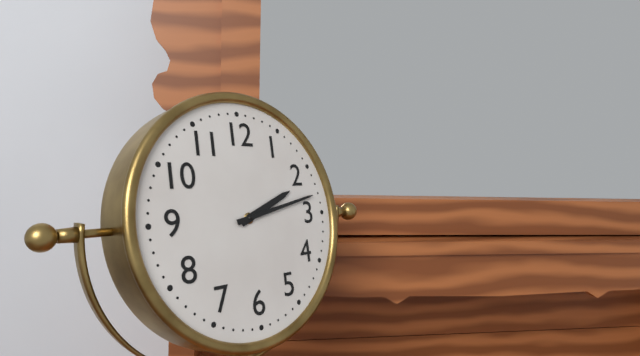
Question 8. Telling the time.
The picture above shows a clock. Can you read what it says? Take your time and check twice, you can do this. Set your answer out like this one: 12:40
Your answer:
2:13
